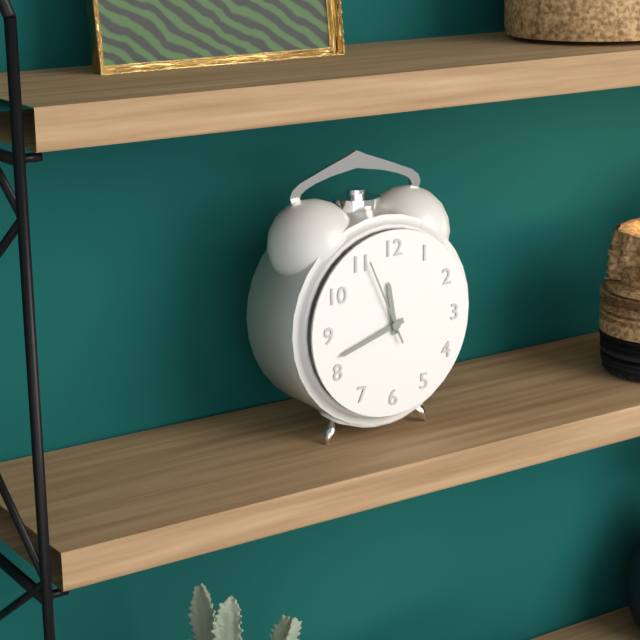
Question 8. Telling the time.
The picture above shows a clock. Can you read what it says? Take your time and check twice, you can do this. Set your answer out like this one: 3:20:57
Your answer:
11:42:56
